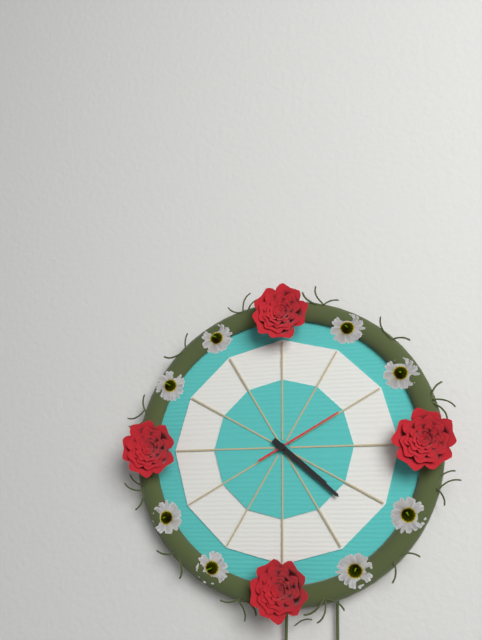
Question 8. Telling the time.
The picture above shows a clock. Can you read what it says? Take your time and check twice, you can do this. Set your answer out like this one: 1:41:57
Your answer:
4:22:10
